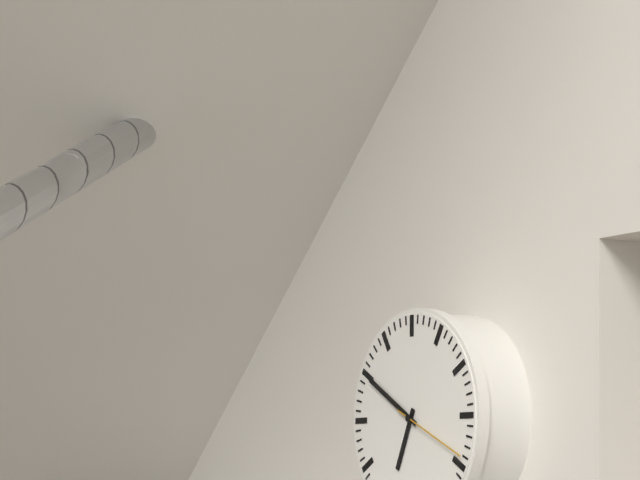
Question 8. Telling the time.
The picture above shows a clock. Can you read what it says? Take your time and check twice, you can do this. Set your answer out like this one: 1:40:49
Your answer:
6:50:19
